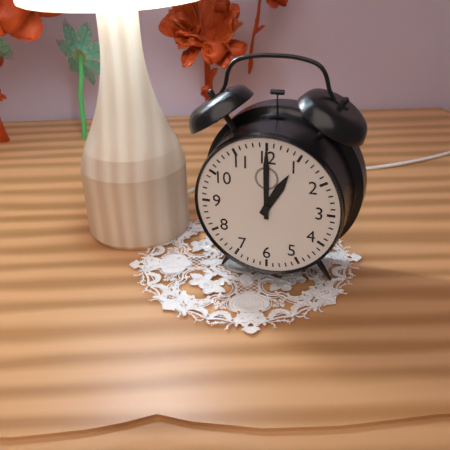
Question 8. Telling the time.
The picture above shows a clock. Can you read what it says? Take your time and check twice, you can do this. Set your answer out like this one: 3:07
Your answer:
1:00
